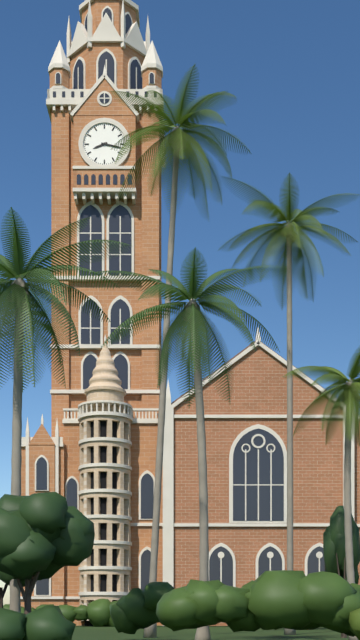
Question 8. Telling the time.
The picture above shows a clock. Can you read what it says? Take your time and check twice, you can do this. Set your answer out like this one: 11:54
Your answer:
8:17
